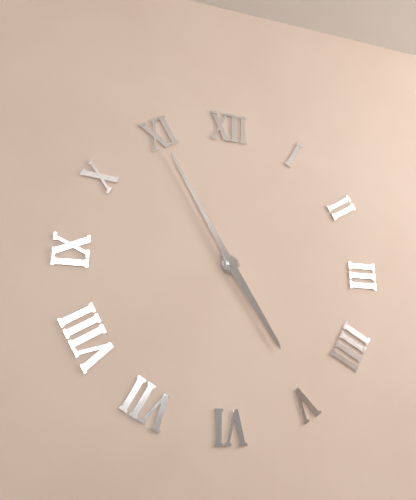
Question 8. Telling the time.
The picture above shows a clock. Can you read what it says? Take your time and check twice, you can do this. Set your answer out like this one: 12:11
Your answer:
4:55
